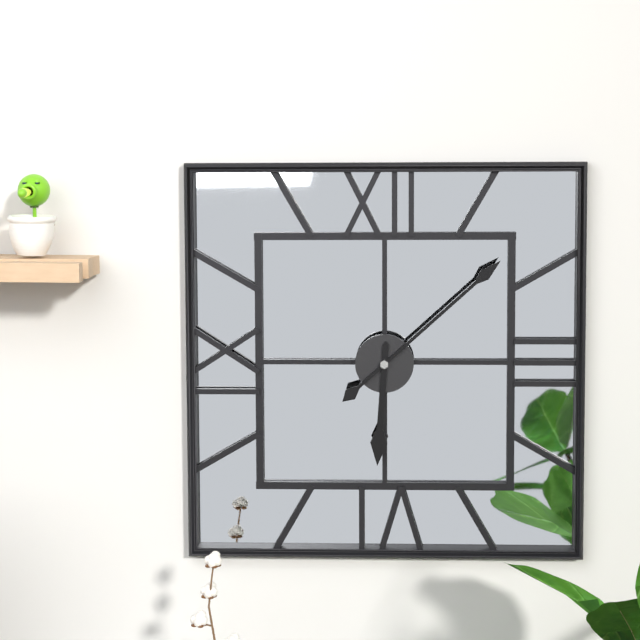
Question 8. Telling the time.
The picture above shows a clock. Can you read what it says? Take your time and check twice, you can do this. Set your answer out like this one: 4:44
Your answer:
6:08
